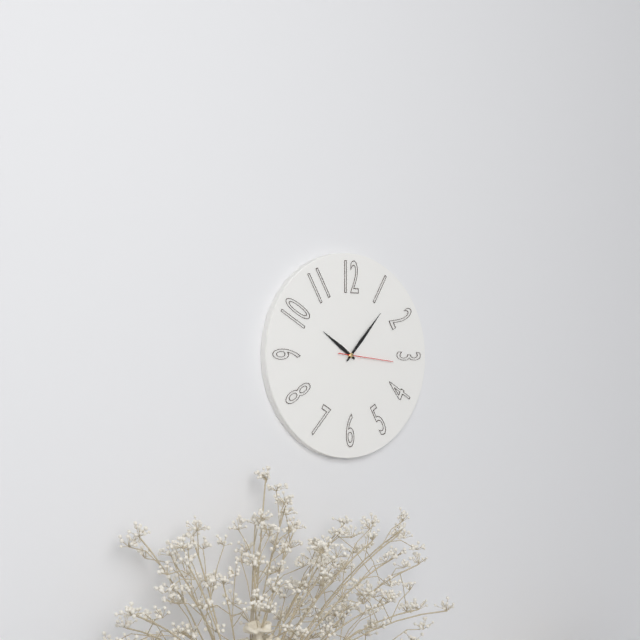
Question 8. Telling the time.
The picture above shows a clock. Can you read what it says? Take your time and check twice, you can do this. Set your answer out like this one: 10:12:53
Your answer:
10:07:16
